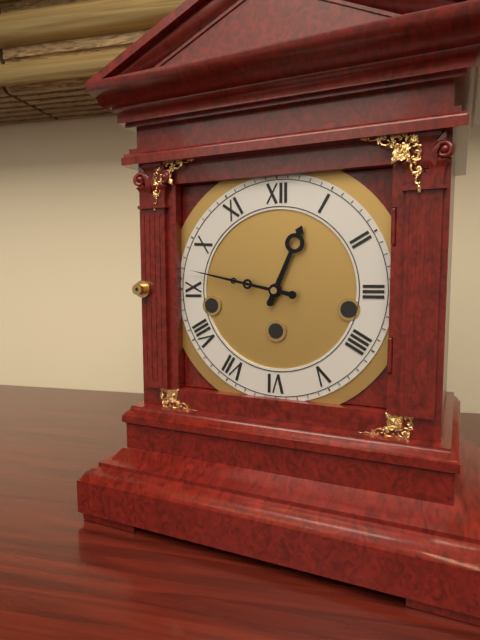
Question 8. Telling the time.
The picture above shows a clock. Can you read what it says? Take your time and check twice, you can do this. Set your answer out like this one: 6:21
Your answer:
12:47
